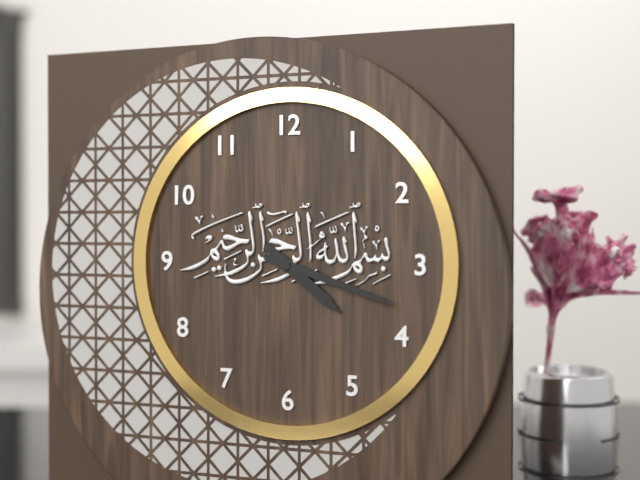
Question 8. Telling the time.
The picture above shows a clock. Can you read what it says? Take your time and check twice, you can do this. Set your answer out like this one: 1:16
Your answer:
4:18
